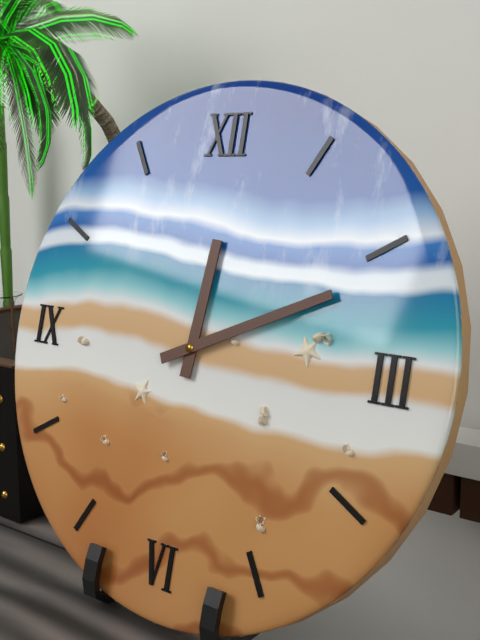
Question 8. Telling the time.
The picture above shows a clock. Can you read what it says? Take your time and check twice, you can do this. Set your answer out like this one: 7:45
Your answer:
12:11
